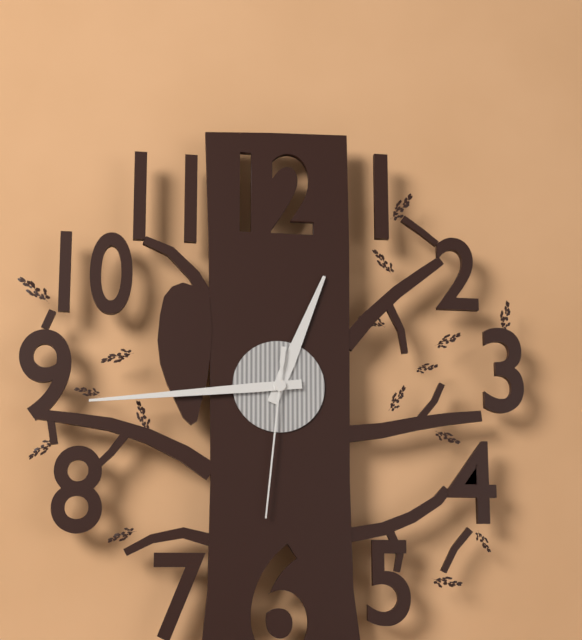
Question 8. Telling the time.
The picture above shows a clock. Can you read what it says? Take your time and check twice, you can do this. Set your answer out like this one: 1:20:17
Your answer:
12:44:31
